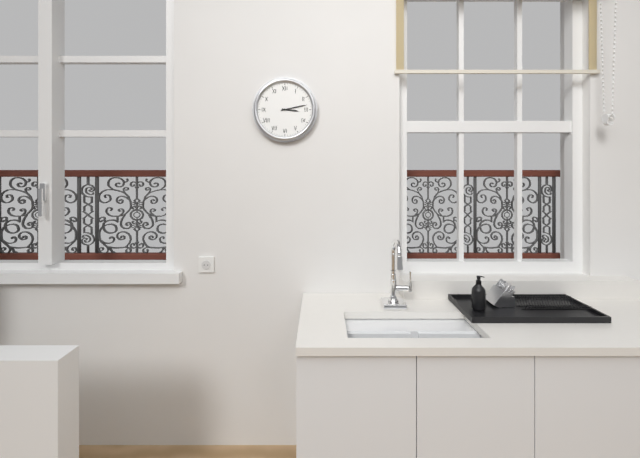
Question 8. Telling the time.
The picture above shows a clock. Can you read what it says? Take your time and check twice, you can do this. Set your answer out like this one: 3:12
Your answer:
3:13
